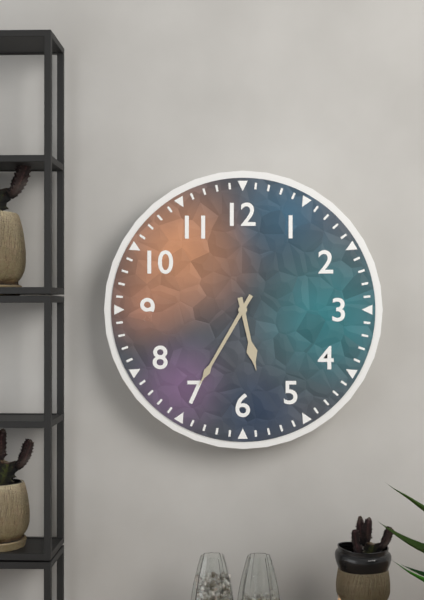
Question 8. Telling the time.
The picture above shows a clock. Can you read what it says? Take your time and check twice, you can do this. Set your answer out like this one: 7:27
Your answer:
5:35
